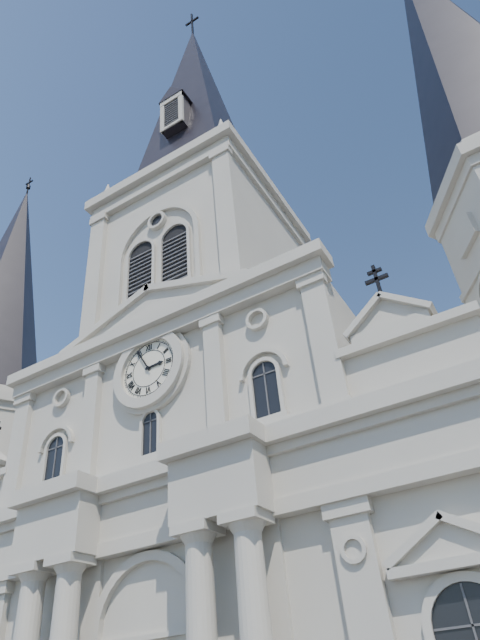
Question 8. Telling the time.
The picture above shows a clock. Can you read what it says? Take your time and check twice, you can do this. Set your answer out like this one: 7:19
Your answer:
2:55
